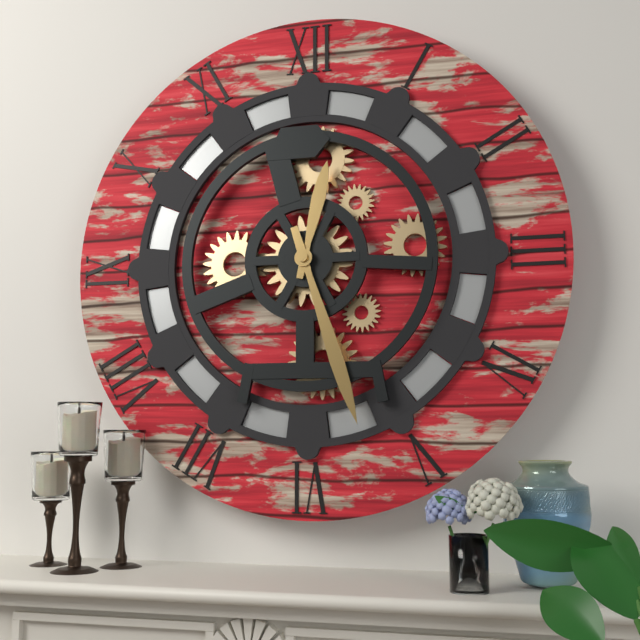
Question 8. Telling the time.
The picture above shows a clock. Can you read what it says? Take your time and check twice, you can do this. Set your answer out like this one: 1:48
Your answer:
12:27
